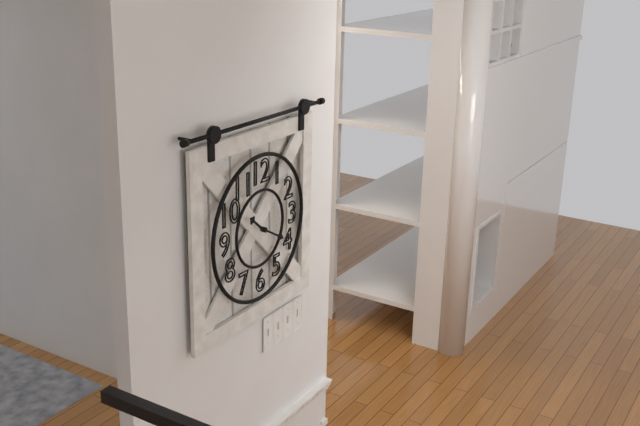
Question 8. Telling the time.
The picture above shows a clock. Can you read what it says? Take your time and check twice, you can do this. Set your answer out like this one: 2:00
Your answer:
10:20
